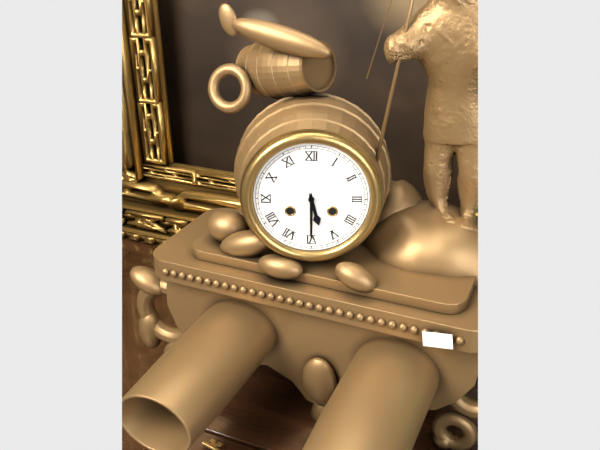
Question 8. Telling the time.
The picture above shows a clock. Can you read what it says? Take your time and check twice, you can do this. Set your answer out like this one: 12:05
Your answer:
5:30
